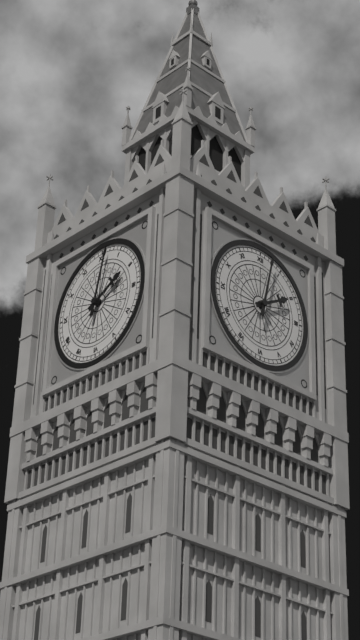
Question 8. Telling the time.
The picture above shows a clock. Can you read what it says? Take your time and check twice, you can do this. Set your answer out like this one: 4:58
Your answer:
2:02
